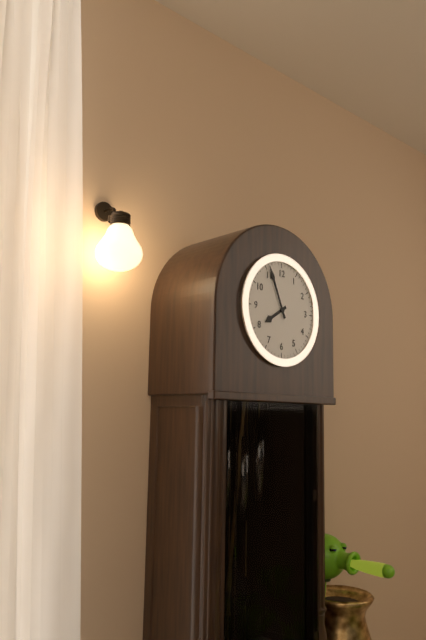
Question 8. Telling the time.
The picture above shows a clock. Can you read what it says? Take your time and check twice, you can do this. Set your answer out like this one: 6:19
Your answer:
7:56
